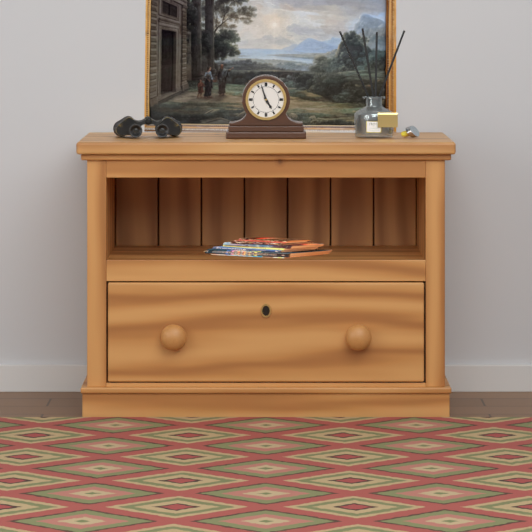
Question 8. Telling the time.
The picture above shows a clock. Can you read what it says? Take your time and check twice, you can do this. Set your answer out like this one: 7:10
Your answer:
4:57
